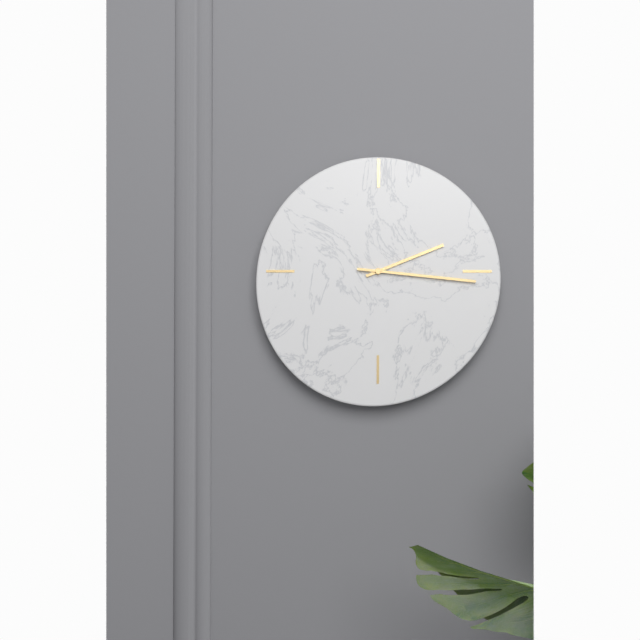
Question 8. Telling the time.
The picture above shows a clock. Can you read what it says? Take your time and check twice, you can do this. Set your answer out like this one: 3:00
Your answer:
2:16
